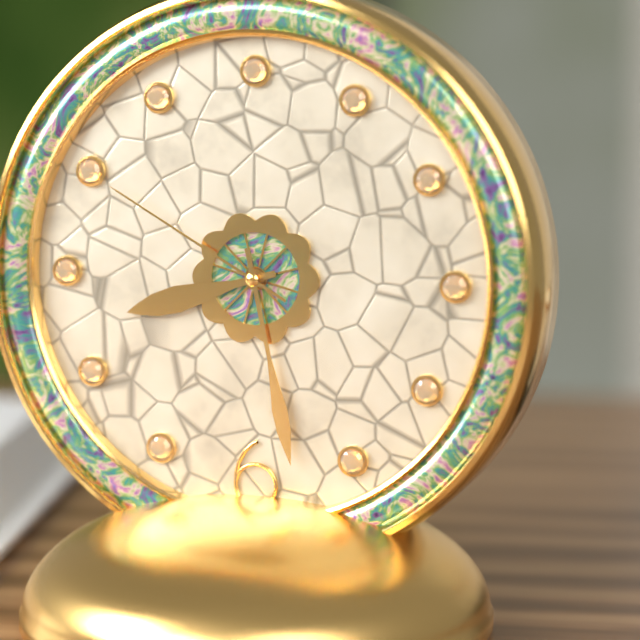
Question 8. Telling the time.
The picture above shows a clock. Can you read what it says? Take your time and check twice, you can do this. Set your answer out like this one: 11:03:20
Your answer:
8:28:50
